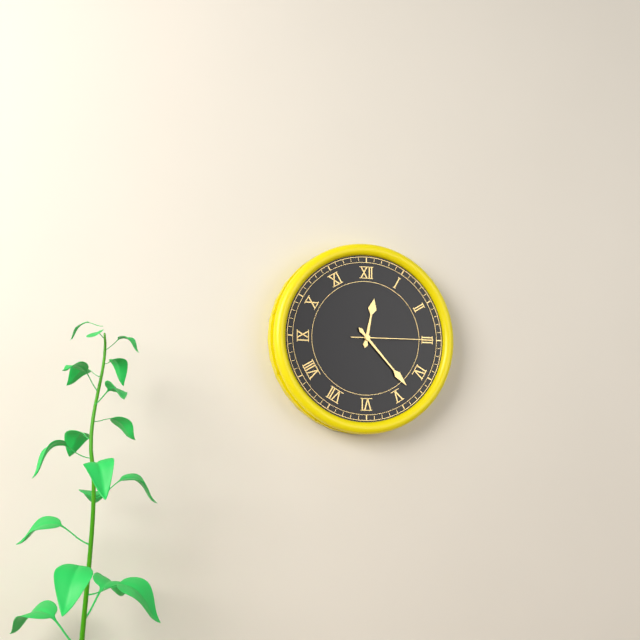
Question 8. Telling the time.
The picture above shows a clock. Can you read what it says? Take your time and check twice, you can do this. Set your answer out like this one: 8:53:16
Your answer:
12:23:15
